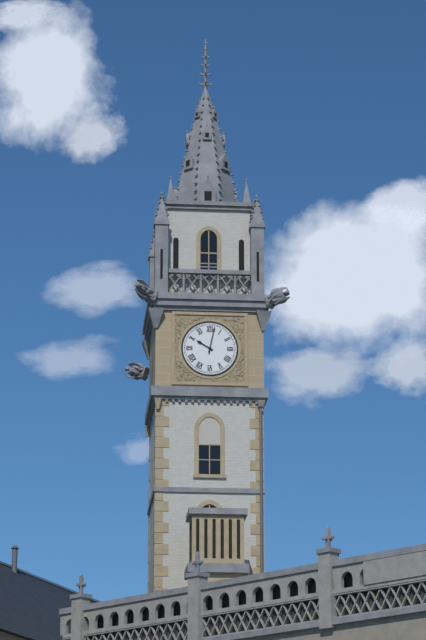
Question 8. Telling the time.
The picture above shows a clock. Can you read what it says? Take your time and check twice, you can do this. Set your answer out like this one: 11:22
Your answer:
10:02
